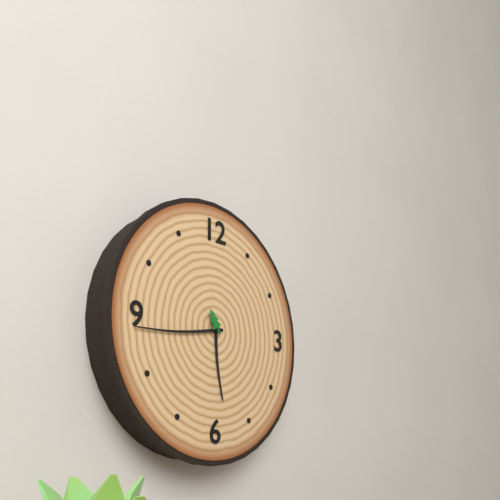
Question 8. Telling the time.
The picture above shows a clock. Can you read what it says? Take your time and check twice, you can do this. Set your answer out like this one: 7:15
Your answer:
5:44
